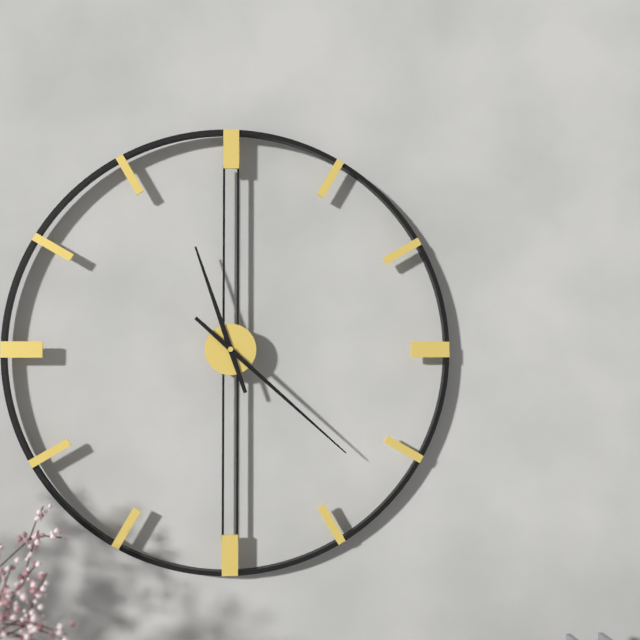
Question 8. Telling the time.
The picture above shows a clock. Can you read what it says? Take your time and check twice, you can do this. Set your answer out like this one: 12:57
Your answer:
11:22
